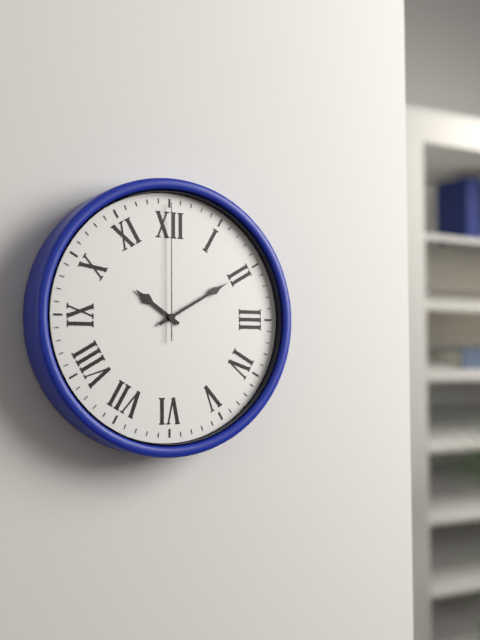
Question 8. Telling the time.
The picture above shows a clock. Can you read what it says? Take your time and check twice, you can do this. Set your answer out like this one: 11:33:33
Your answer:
10:10:00
